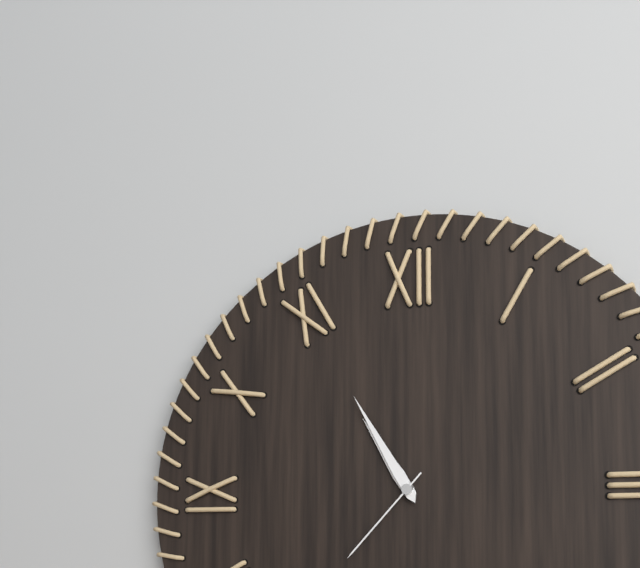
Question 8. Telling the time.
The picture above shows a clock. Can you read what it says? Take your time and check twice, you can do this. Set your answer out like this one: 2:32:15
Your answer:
10:55:37
